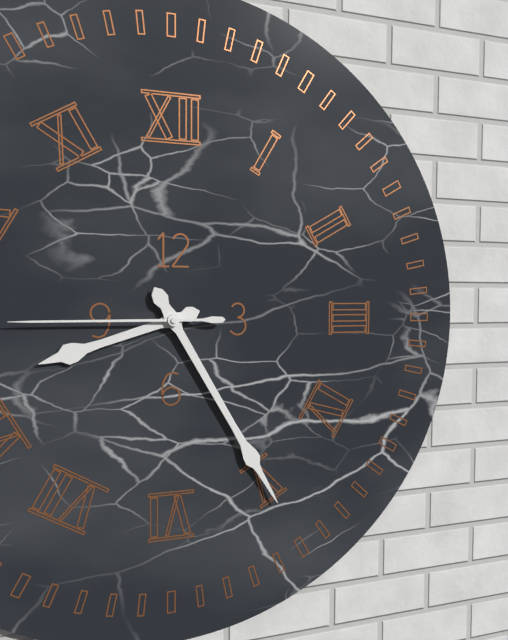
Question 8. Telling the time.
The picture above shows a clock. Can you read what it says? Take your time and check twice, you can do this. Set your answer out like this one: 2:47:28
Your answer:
8:25:45
